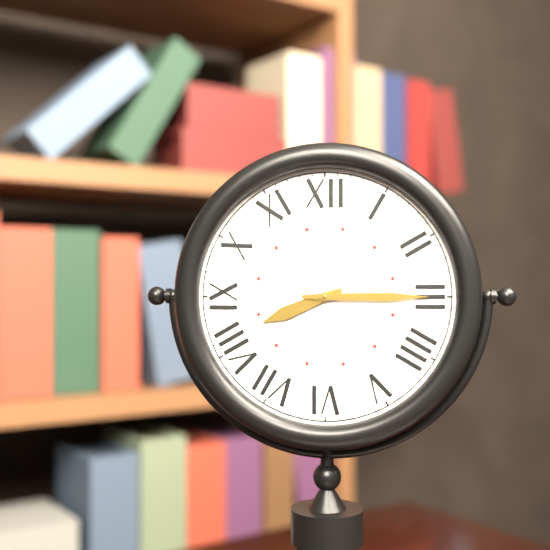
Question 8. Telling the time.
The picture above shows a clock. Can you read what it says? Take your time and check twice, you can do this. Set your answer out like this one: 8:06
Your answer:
8:15
